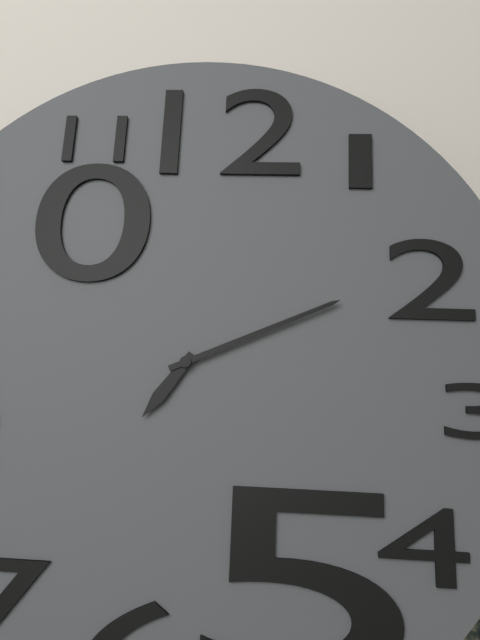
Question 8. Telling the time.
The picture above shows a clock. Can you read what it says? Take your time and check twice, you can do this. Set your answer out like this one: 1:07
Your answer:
7:11
